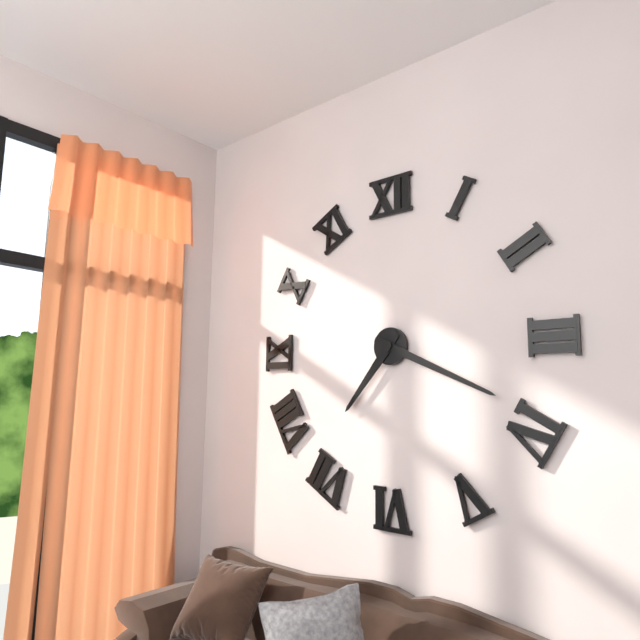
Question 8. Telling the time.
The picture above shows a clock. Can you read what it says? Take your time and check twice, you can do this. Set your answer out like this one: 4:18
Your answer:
7:19
